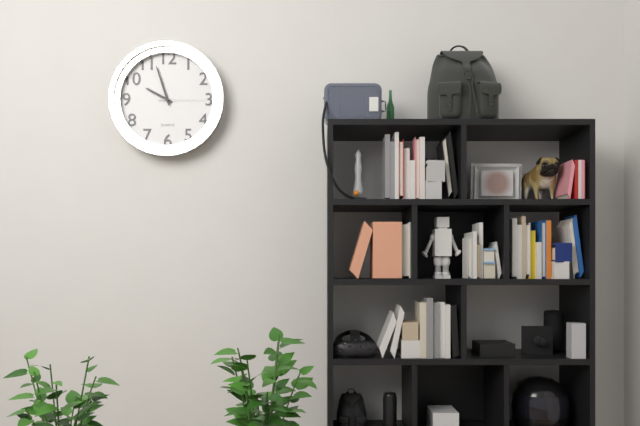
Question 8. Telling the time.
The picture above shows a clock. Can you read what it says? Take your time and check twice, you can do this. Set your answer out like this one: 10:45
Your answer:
9:57
